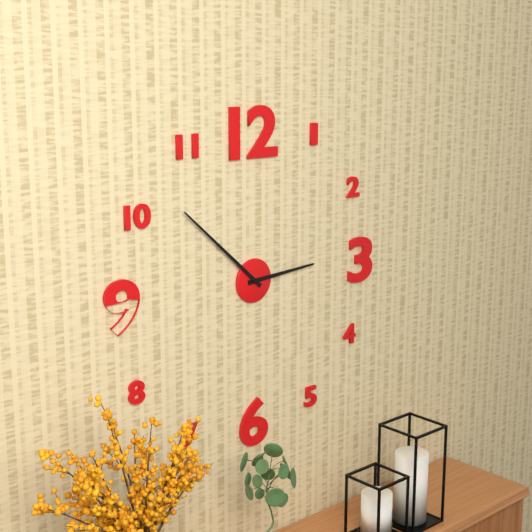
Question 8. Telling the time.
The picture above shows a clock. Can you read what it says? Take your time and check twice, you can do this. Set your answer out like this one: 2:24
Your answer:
2:52
